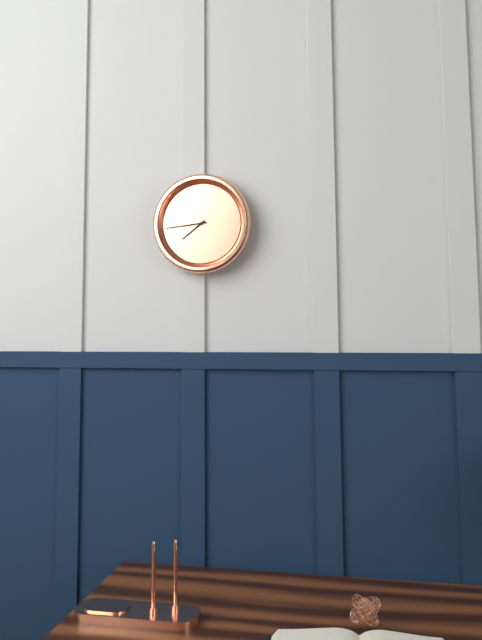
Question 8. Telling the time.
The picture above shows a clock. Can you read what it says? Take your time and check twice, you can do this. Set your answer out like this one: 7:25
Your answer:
7:44
